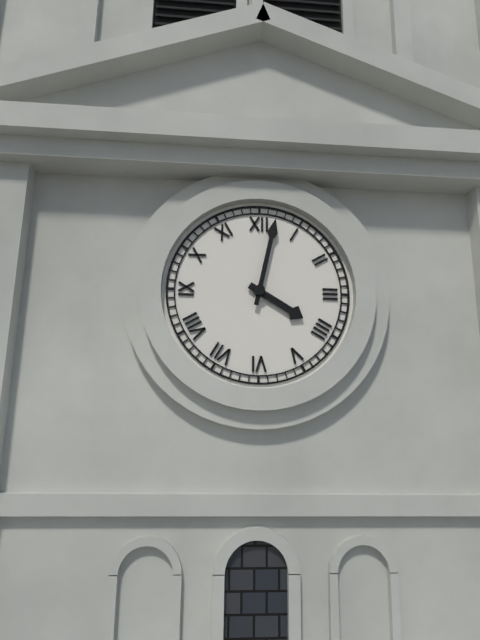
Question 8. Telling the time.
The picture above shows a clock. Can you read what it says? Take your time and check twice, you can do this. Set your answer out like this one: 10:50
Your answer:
4:02
